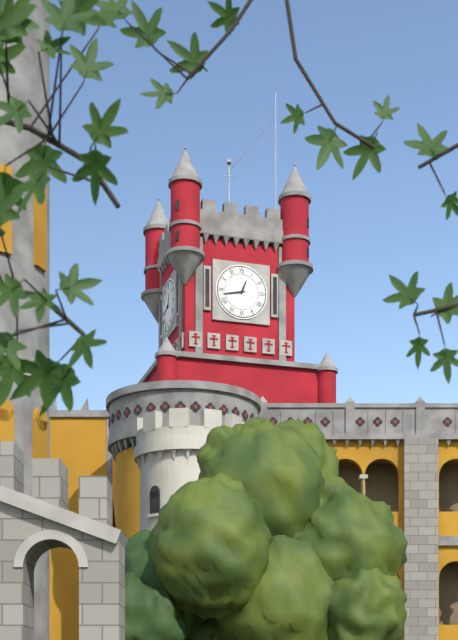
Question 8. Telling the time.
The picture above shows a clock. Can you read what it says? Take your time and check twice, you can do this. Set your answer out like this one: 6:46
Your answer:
12:43
